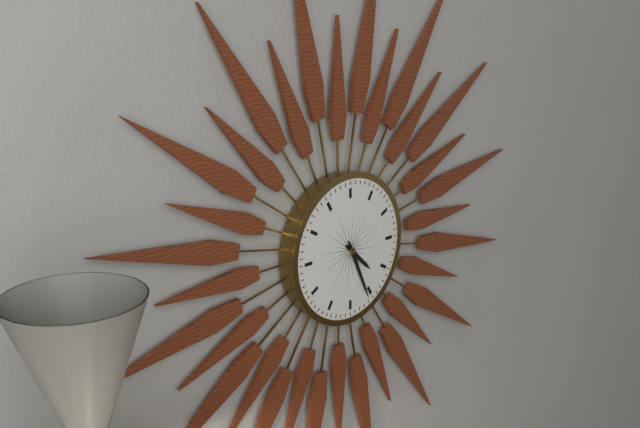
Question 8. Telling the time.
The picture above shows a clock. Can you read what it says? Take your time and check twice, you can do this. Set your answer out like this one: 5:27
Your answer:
4:26
